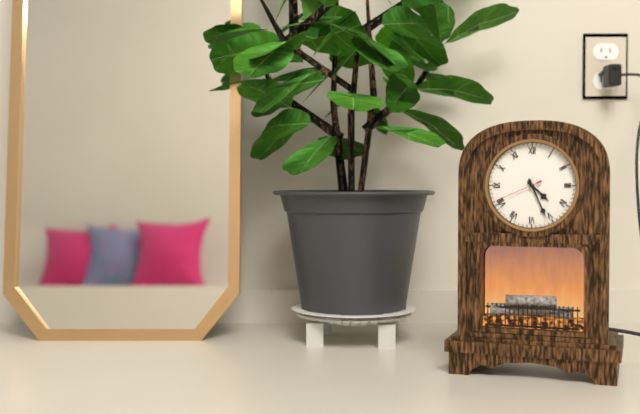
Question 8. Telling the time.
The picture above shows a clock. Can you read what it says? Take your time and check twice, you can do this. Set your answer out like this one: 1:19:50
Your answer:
4:26:41
